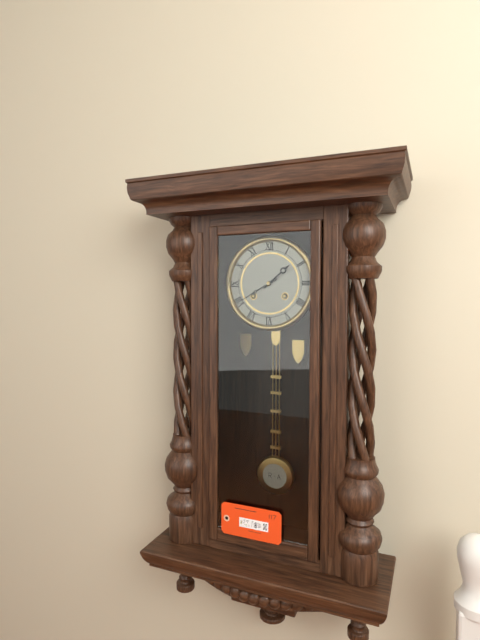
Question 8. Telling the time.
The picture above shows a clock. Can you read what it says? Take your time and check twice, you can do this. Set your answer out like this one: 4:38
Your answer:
1:40
